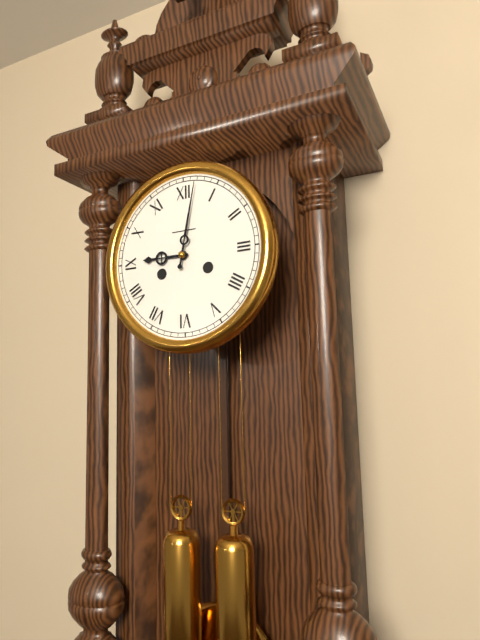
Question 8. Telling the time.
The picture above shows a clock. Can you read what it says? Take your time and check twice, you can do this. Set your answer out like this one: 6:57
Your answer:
9:02
